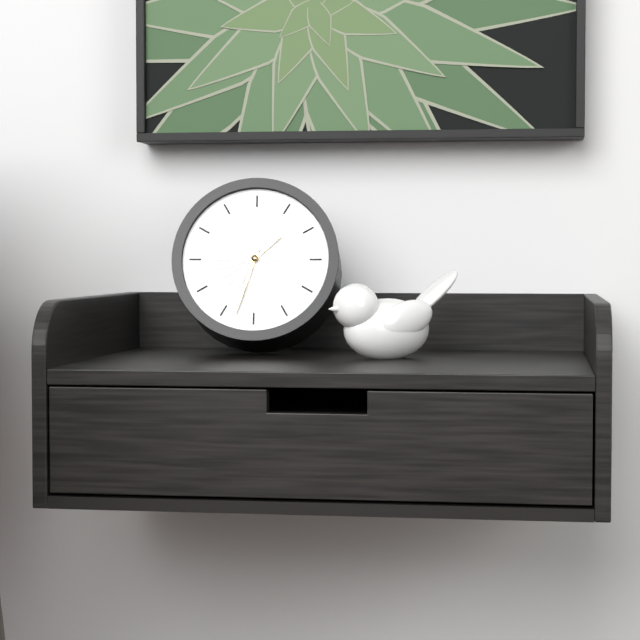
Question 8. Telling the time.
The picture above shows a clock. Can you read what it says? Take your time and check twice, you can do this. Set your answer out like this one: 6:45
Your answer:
1:33
